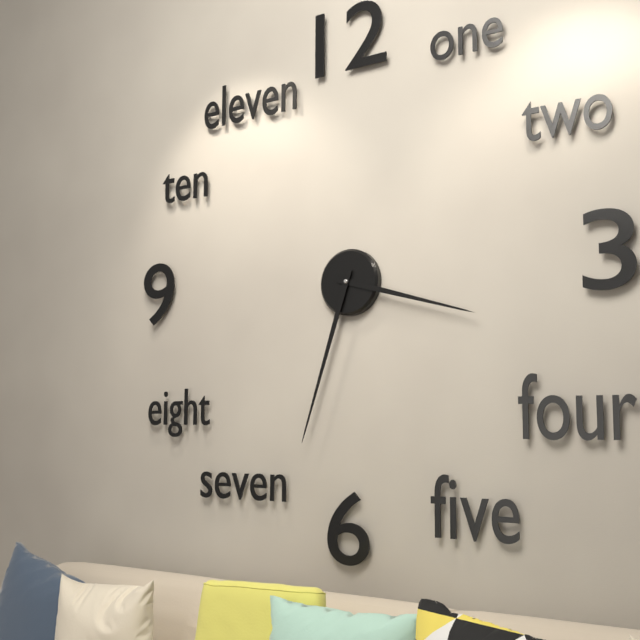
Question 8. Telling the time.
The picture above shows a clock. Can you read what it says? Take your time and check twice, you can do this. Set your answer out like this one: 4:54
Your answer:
3:33
